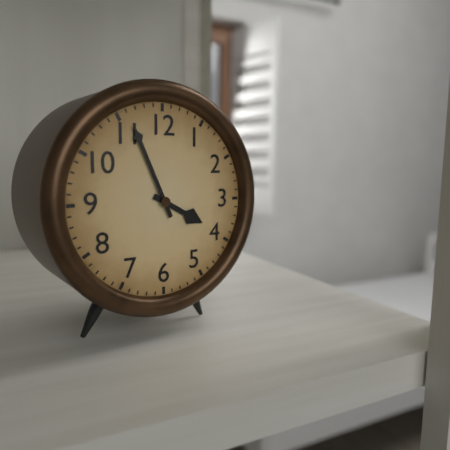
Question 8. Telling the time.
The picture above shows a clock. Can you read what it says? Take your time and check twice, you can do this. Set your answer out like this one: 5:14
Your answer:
3:56
